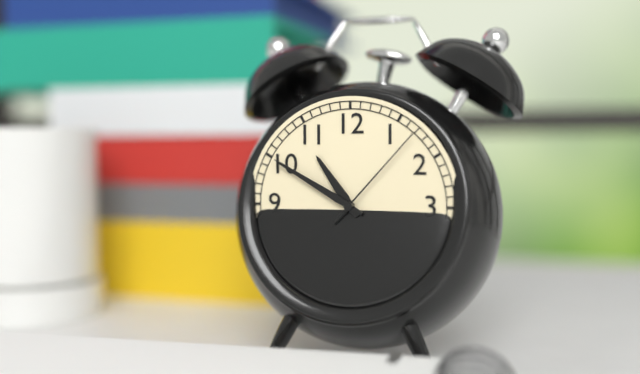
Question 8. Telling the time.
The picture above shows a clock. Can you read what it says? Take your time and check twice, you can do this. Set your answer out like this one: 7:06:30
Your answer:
10:50:07
